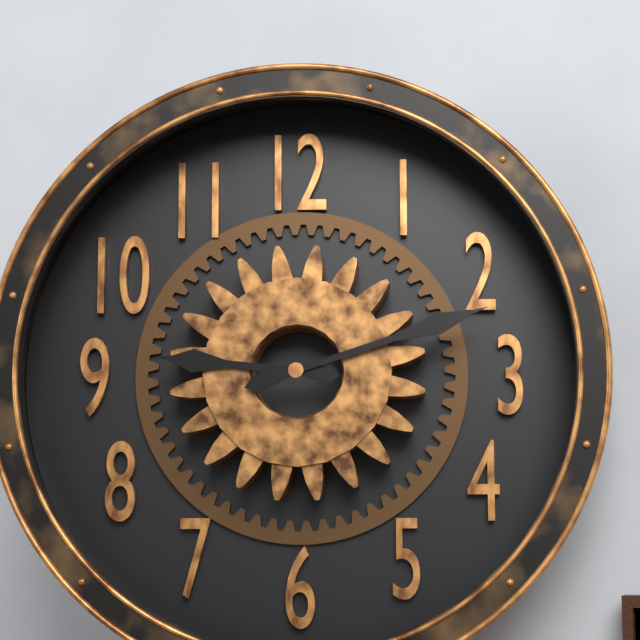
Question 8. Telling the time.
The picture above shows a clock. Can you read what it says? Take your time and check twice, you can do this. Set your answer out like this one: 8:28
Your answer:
9:12
